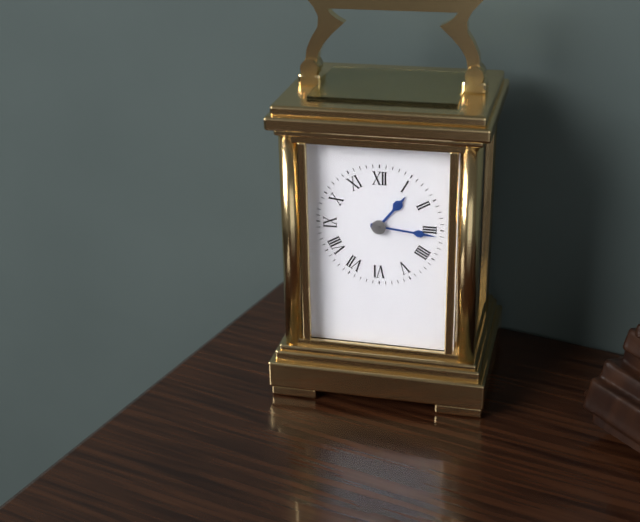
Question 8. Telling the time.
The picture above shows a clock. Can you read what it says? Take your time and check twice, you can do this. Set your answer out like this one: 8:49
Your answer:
1:16
